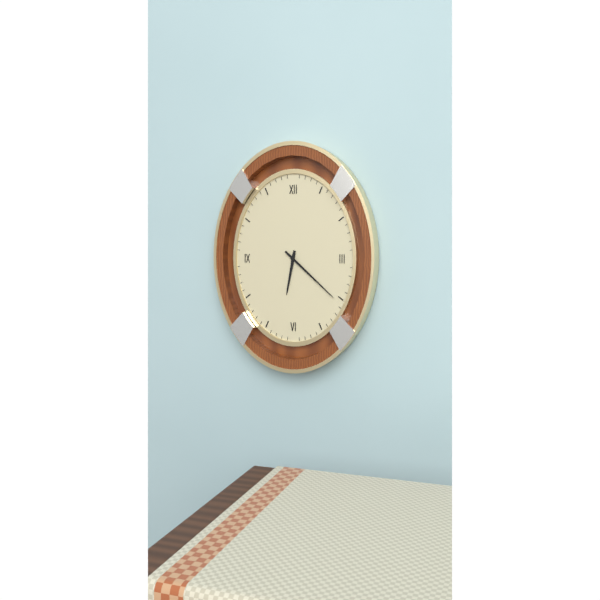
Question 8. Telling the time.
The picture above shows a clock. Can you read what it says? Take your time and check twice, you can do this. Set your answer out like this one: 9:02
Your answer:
6:22
